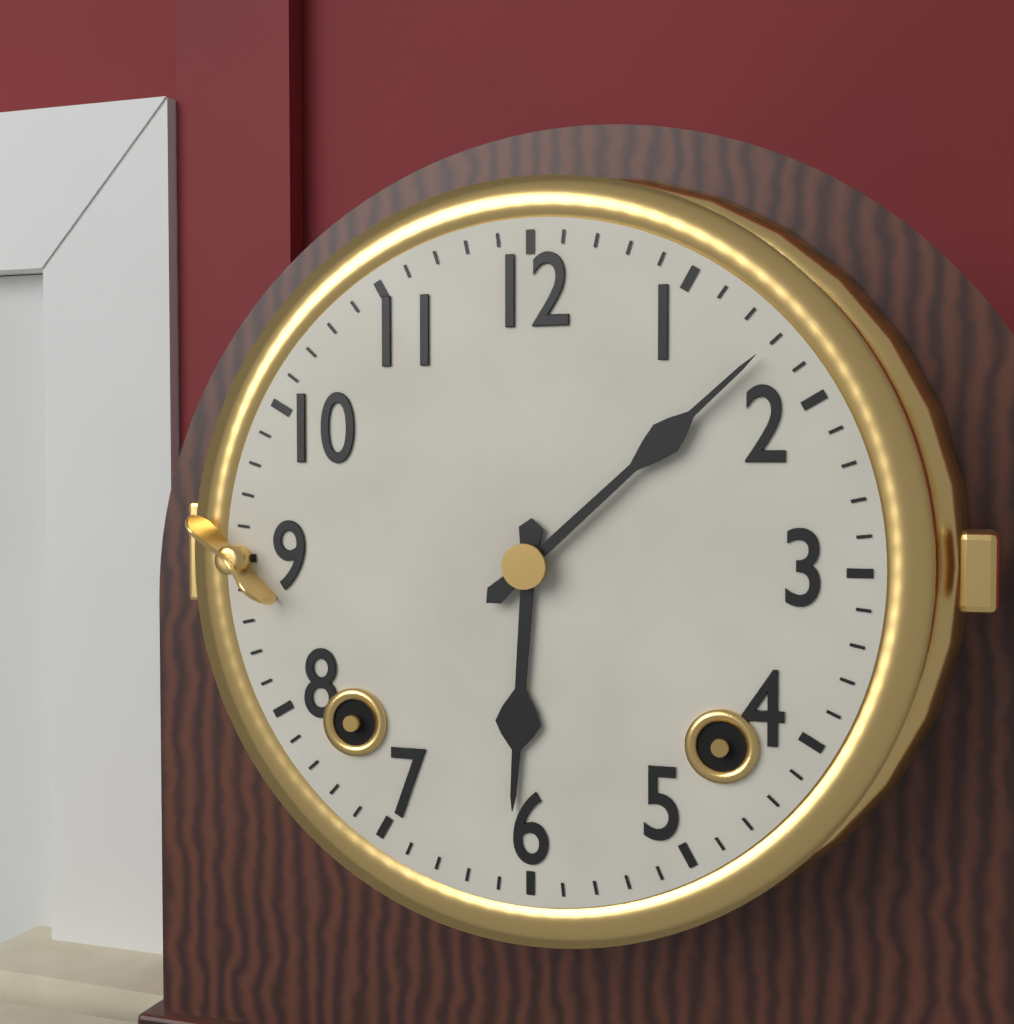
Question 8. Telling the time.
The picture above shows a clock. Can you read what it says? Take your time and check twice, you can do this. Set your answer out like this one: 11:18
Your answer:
6:08
